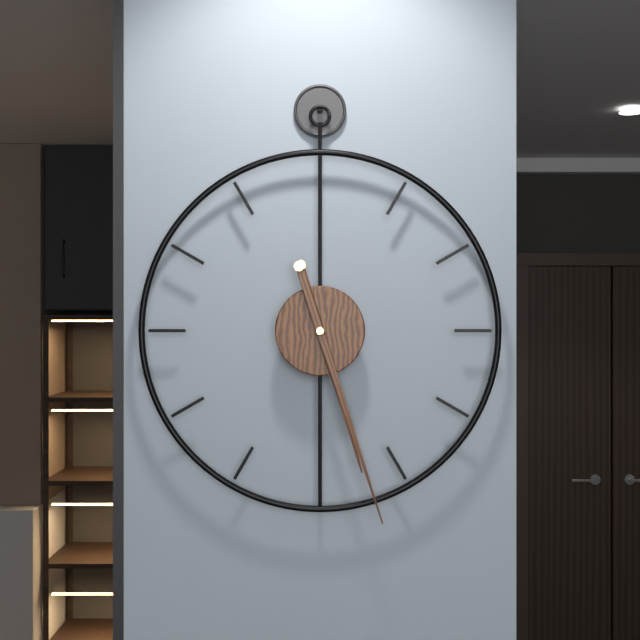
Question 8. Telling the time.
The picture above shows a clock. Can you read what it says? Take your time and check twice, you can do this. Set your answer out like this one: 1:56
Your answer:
5:27
